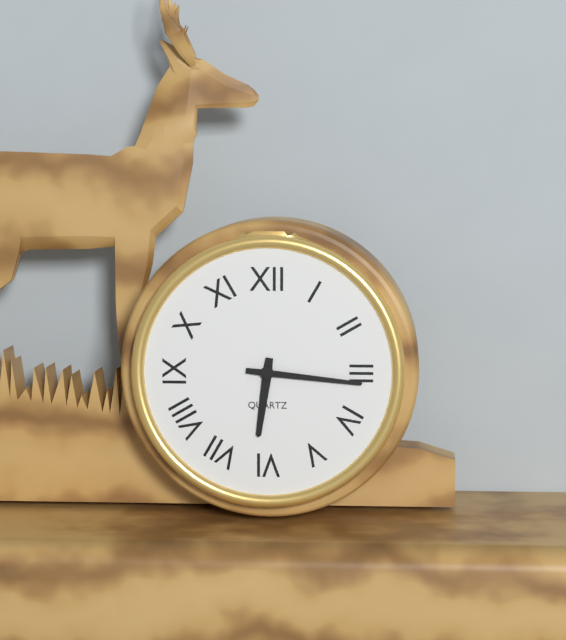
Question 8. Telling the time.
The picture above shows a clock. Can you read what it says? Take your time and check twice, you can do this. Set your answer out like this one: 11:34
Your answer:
6:16
